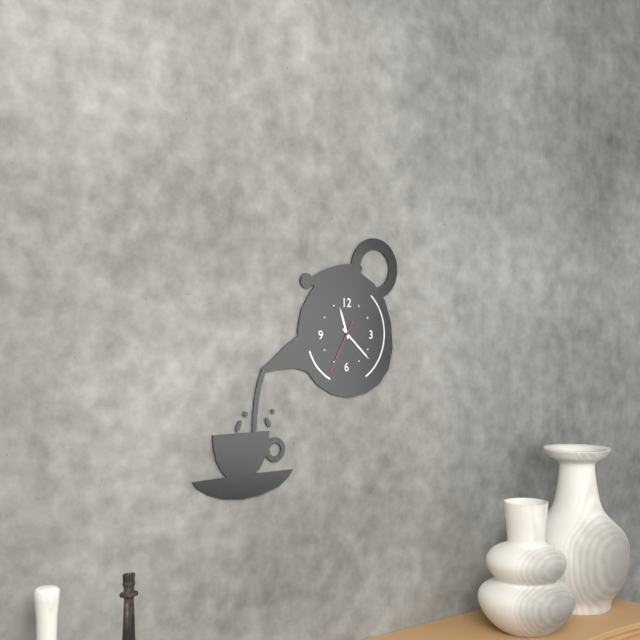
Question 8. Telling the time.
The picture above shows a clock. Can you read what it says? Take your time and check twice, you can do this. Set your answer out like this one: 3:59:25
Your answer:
11:22:35
